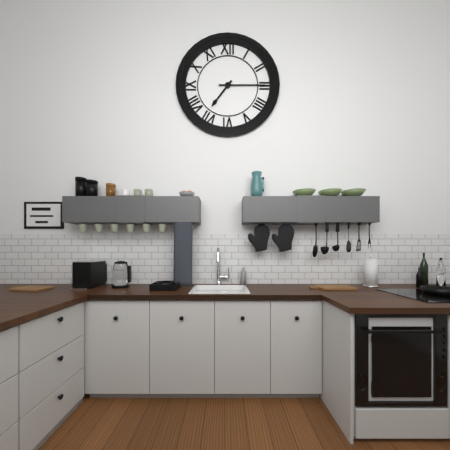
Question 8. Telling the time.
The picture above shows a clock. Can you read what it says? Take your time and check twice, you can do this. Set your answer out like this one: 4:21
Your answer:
7:15
